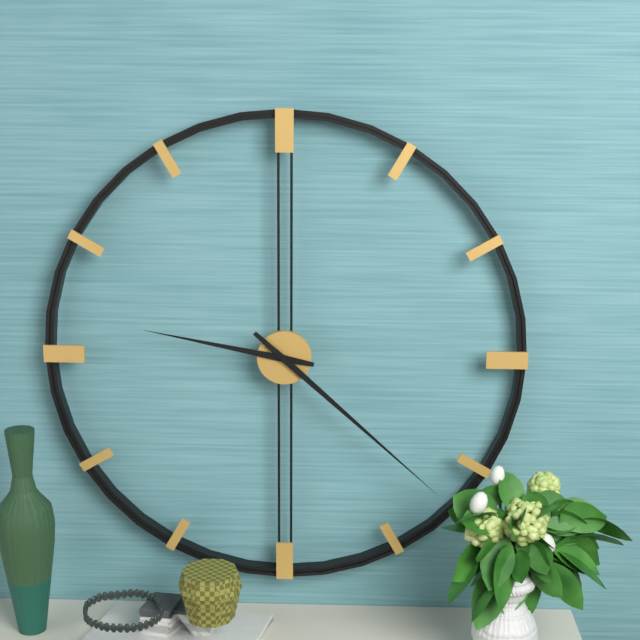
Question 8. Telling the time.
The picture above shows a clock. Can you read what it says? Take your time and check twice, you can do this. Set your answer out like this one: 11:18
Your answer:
9:22
